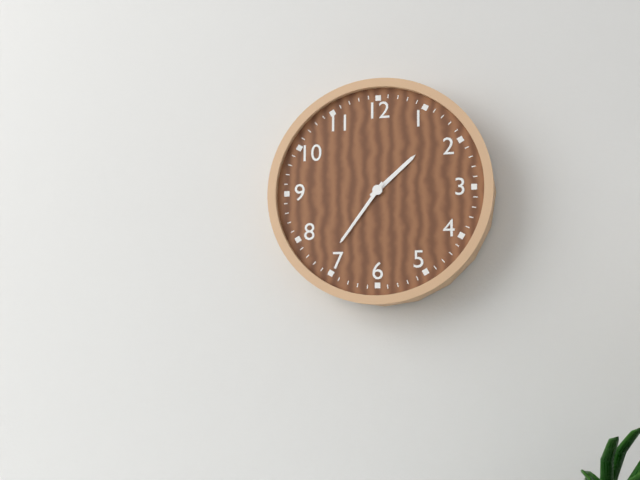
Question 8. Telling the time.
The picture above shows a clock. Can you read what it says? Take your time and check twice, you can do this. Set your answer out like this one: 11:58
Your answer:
1:36
